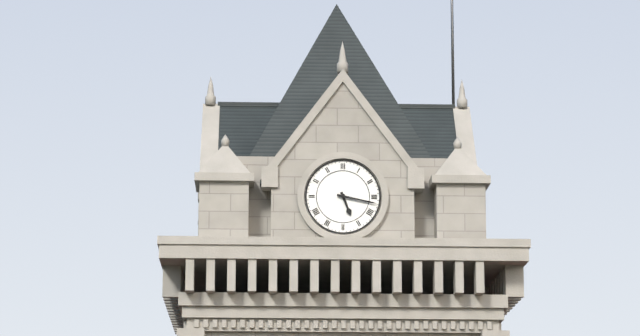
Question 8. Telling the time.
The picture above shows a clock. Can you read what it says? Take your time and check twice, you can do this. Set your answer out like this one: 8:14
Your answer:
5:17
